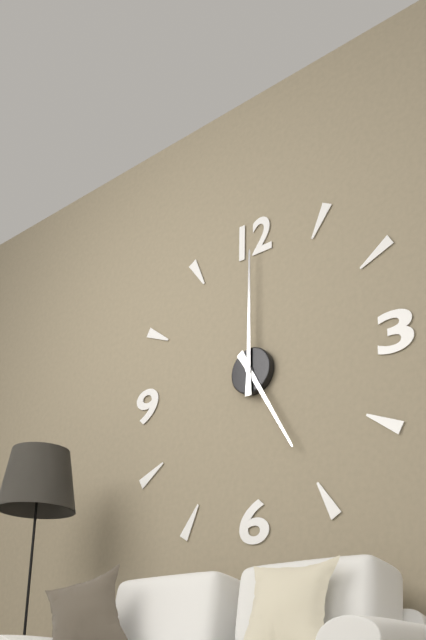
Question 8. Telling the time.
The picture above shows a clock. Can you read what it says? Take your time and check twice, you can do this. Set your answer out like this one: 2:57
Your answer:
5:00
